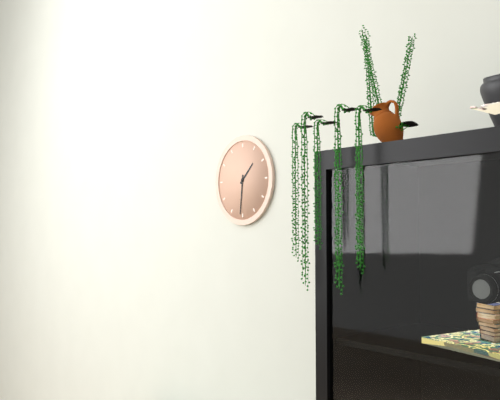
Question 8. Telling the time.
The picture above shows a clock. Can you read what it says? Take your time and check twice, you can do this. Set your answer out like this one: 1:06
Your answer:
1:31
